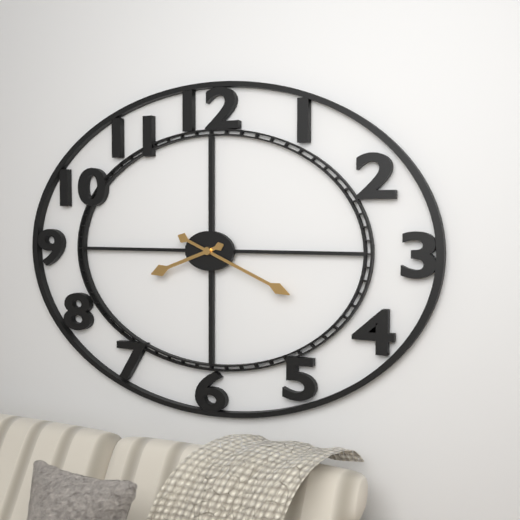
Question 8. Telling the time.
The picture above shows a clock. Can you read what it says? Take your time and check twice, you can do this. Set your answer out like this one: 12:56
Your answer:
8:19
